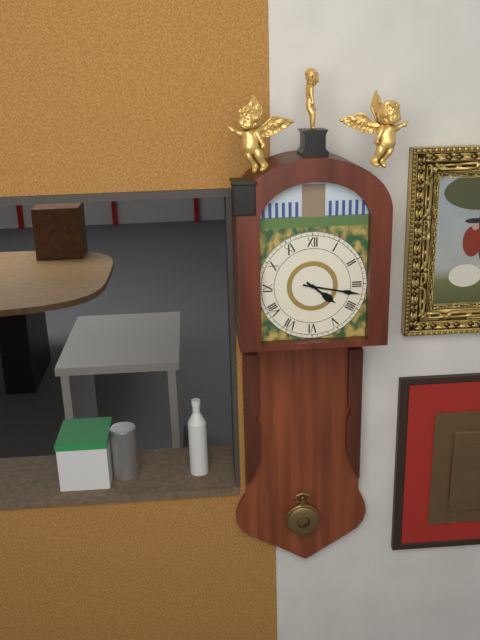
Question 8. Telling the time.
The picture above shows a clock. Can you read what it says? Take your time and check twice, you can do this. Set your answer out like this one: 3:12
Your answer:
4:17
